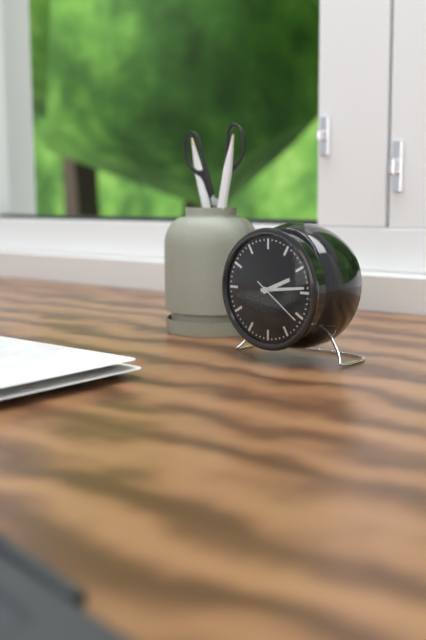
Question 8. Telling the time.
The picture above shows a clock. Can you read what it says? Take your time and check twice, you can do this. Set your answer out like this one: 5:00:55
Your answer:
2:14:21
